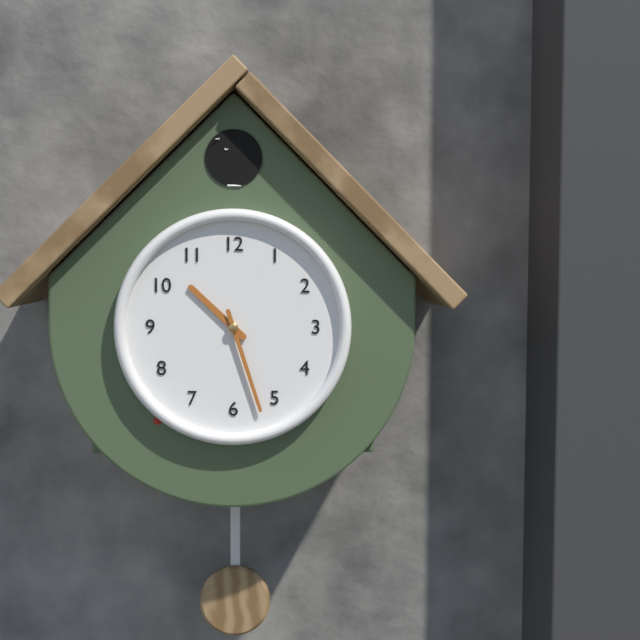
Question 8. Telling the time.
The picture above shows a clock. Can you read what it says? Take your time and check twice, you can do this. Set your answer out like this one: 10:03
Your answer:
10:27
